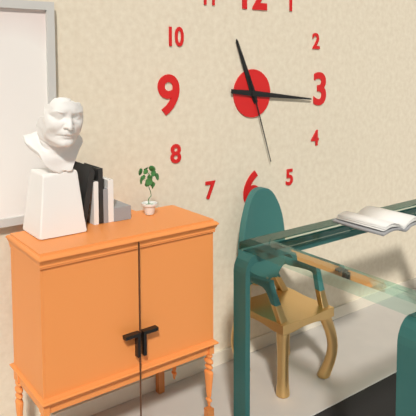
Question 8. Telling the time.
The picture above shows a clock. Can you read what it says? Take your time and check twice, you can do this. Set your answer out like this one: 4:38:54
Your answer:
11:16:27
